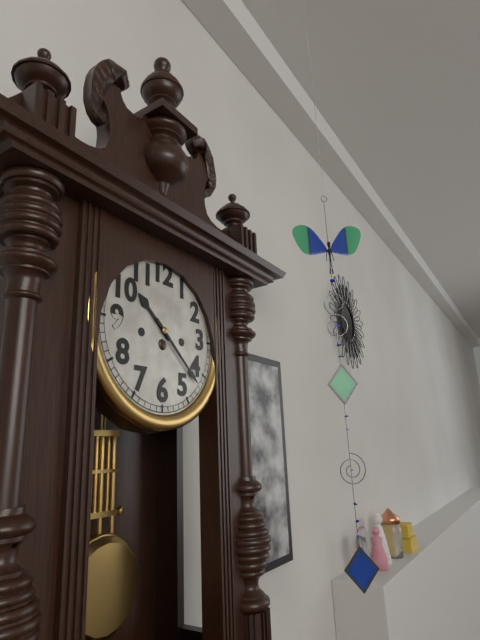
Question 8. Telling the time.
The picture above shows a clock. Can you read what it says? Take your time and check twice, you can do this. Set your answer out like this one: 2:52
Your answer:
10:22
